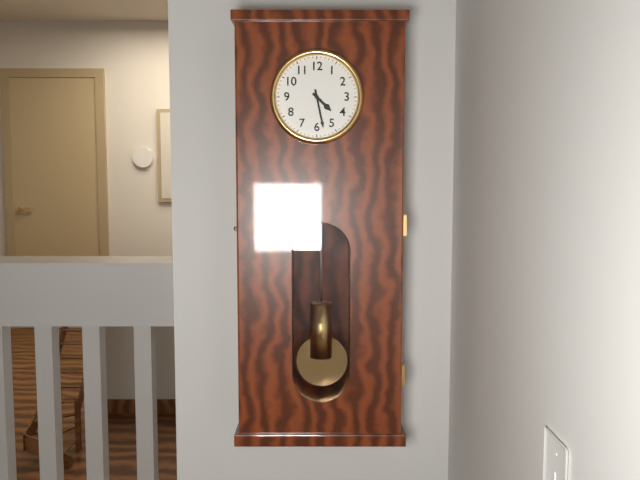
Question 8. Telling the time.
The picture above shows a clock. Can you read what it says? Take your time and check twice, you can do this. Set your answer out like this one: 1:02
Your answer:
4:28
